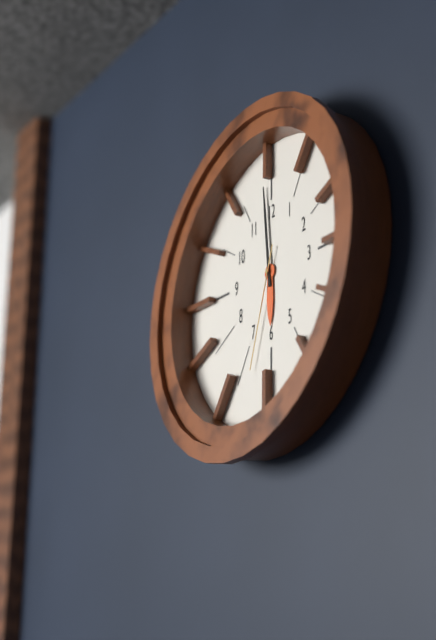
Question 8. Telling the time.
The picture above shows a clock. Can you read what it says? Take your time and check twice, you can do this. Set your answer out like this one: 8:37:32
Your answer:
5:59:33
